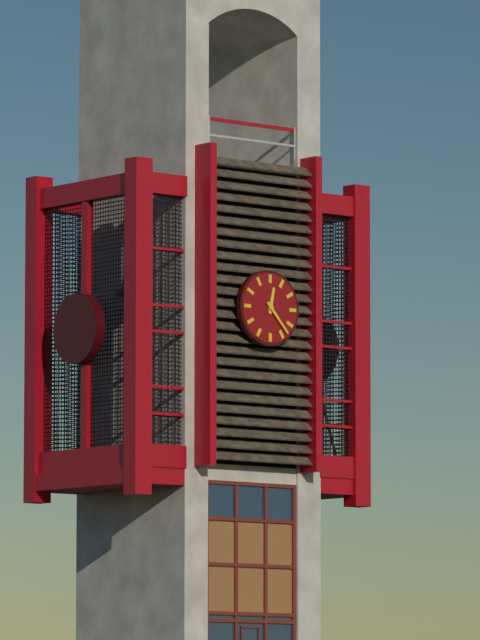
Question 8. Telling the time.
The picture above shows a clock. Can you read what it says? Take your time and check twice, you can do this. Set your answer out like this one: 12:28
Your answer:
12:23
